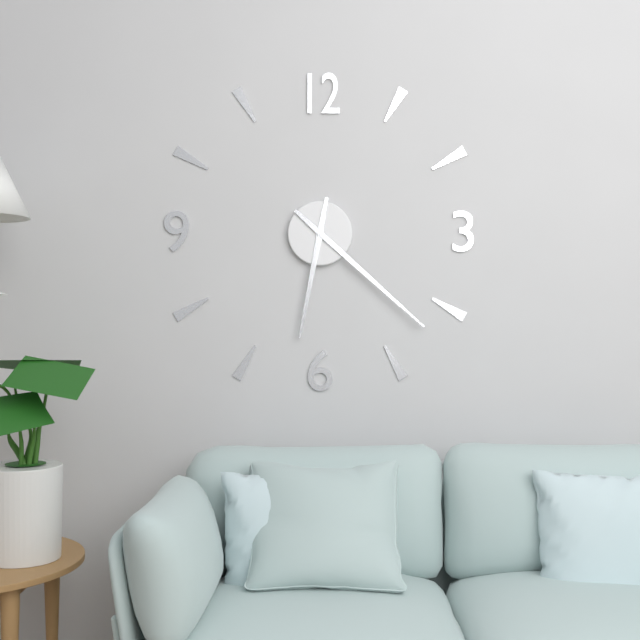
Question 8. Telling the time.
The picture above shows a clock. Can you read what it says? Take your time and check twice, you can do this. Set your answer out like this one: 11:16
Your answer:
6:22
